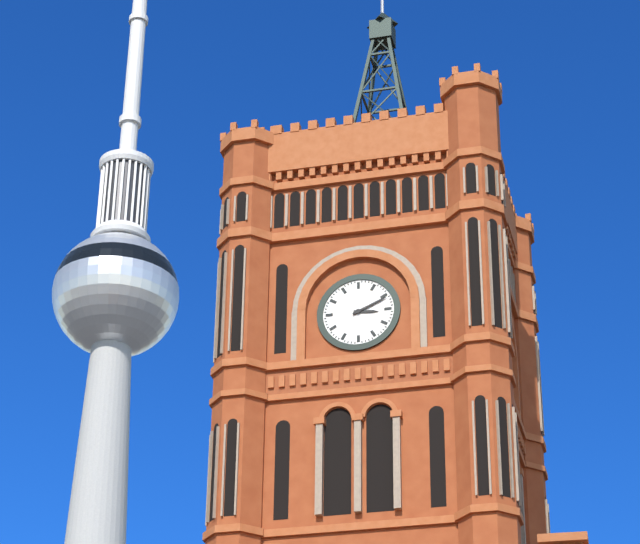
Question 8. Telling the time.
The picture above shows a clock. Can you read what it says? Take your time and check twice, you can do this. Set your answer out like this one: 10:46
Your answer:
3:11
